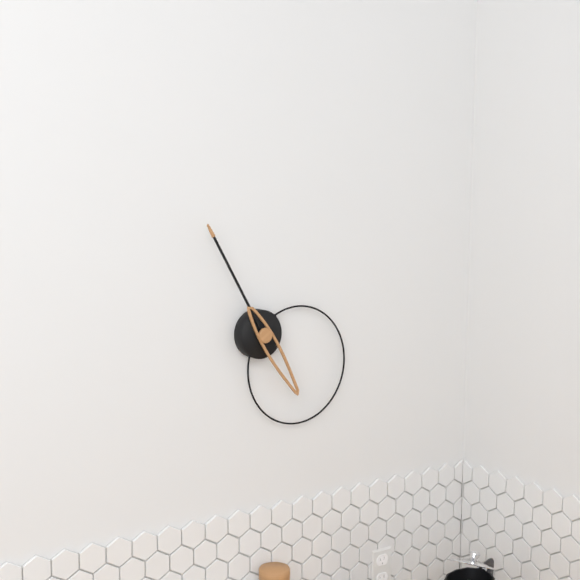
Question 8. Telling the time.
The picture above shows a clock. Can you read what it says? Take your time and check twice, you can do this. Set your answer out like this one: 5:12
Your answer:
4:55
